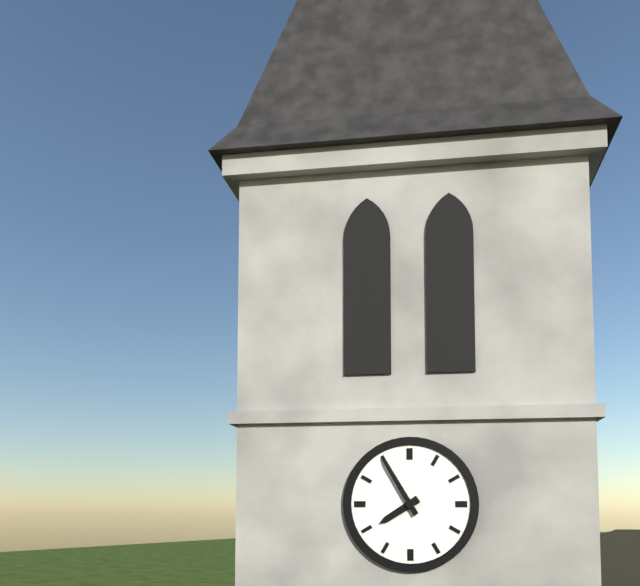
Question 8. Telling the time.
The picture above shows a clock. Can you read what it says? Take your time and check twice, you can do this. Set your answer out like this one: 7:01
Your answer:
7:55
